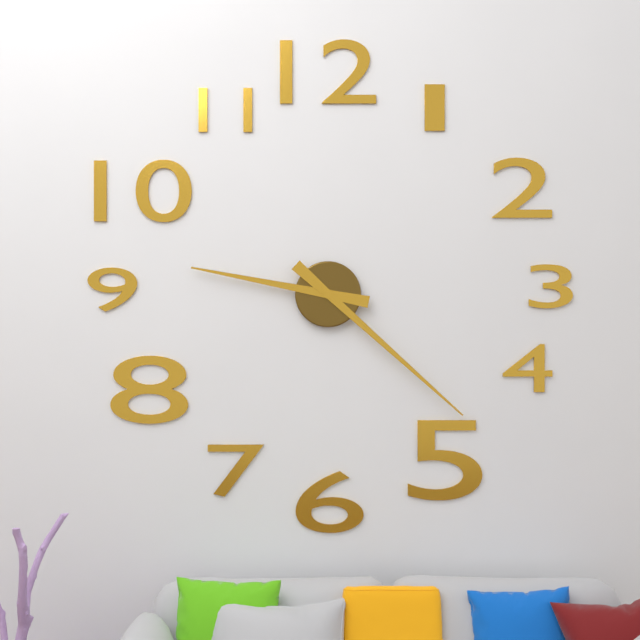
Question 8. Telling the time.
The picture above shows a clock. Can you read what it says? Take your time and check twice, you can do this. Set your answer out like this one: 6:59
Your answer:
9:22
